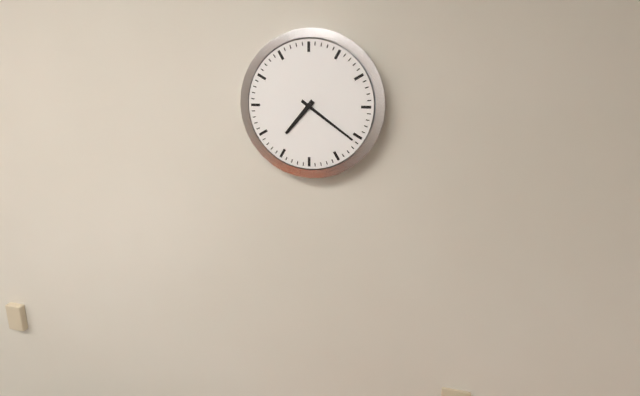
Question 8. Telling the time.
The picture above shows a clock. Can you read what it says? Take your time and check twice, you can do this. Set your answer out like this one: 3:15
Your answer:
7:21
